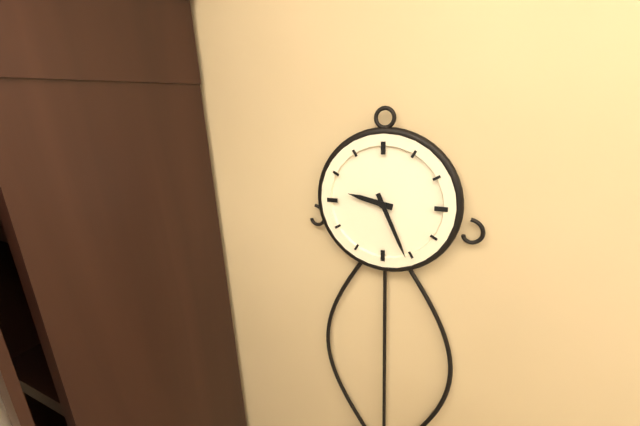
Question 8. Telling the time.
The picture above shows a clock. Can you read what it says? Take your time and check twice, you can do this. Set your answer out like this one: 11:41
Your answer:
9:26
